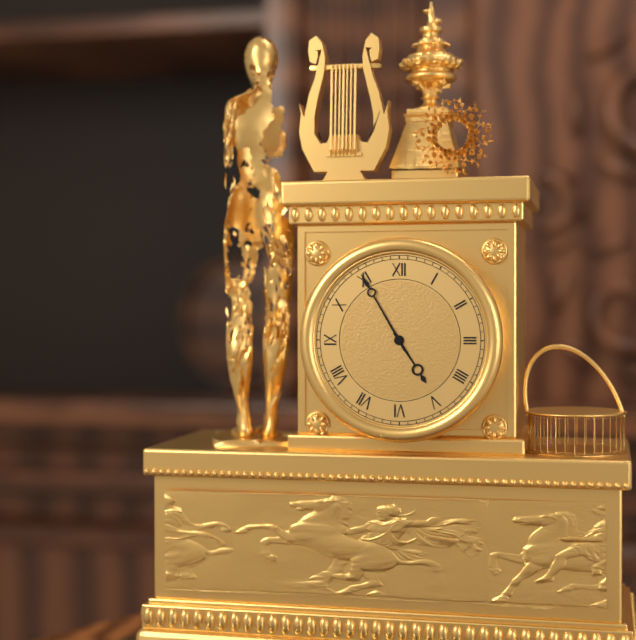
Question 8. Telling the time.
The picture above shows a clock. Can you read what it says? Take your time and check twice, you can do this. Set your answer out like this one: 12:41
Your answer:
4:55
